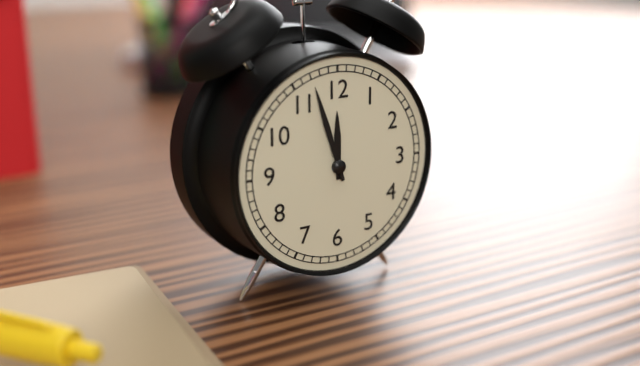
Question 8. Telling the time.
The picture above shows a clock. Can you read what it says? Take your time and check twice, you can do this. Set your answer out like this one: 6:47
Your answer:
11:57
